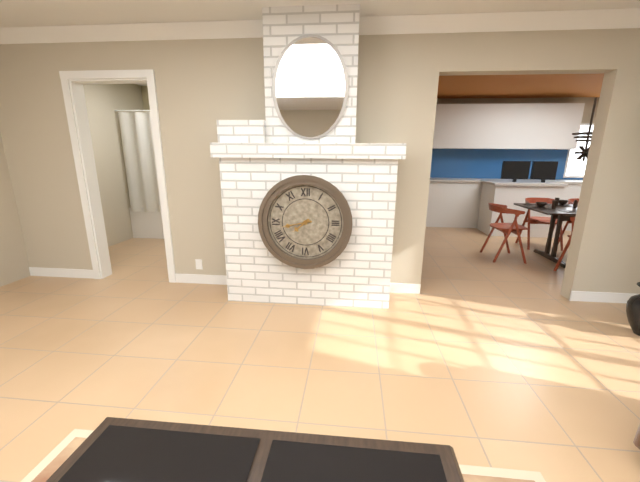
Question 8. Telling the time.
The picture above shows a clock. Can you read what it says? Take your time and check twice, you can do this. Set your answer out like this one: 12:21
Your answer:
7:43
